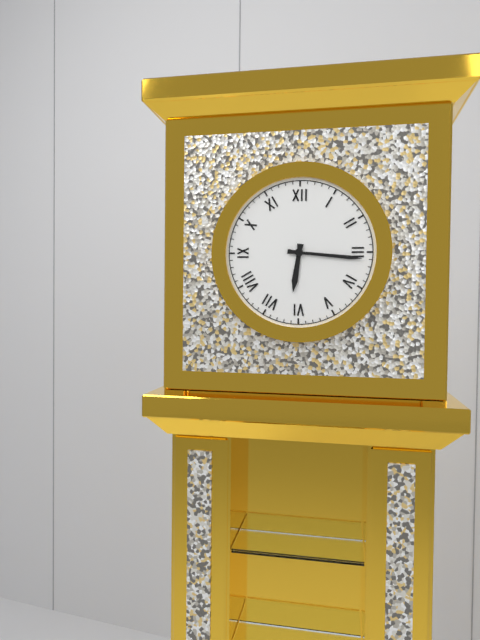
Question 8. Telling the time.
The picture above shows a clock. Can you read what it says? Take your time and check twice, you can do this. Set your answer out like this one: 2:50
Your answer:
6:16
